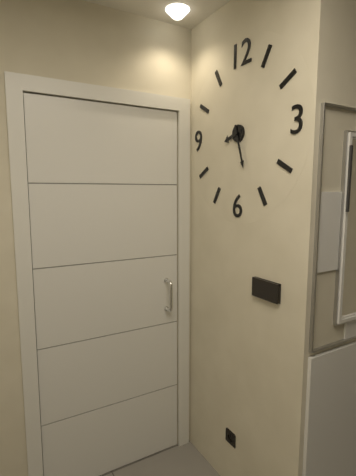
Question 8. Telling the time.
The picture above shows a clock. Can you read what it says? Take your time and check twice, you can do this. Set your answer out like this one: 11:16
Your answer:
8:27
